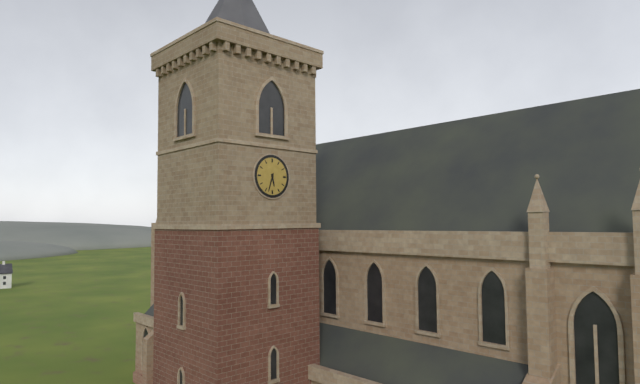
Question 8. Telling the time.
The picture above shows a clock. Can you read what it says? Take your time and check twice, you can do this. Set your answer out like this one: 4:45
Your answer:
5:33
